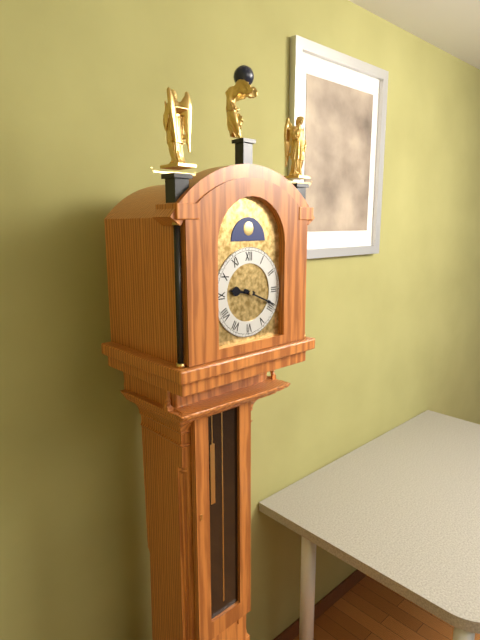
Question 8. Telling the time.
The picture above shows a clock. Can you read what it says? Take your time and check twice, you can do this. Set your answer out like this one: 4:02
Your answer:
9:19
